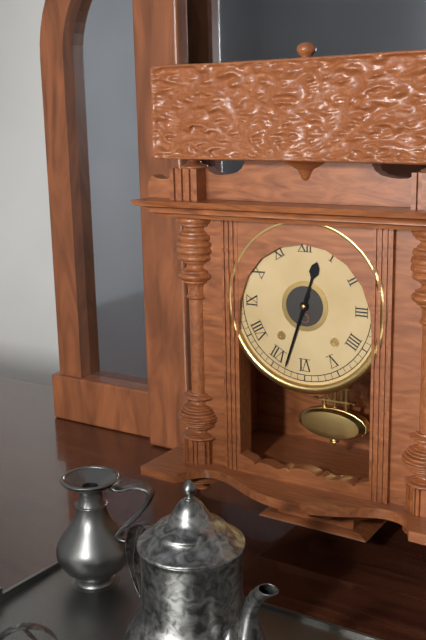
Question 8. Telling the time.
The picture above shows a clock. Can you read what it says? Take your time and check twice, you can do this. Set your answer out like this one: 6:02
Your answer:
12:33
